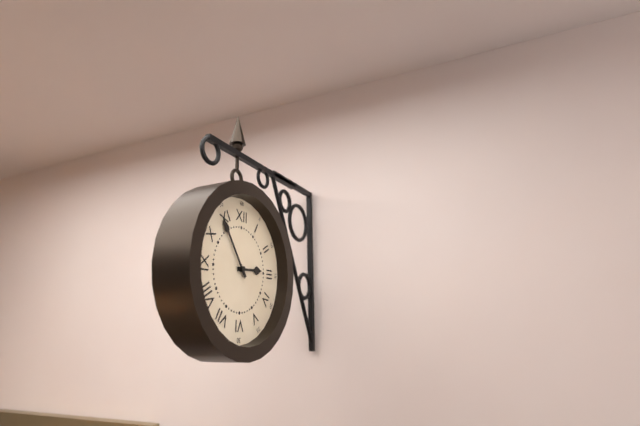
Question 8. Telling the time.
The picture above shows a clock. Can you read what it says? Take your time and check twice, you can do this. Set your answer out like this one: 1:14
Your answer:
2:54
